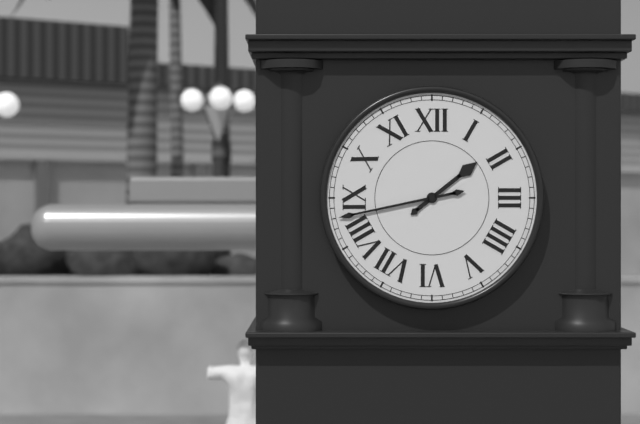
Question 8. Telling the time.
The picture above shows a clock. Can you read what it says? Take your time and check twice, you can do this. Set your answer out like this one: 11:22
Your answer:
1:43
